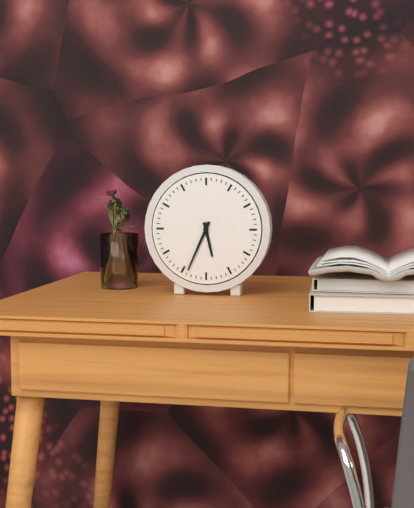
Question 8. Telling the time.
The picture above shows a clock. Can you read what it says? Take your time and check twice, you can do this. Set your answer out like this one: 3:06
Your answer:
5:34
